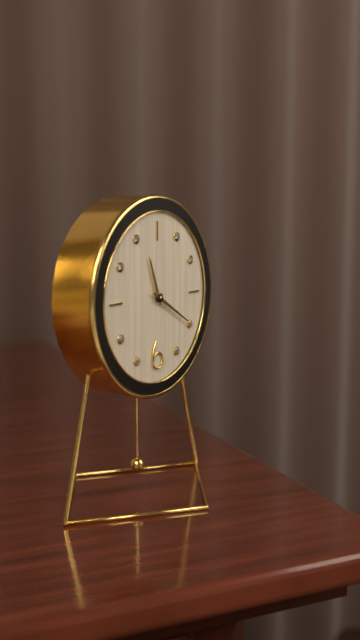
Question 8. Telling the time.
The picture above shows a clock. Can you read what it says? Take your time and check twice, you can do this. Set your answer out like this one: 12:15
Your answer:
11:20
